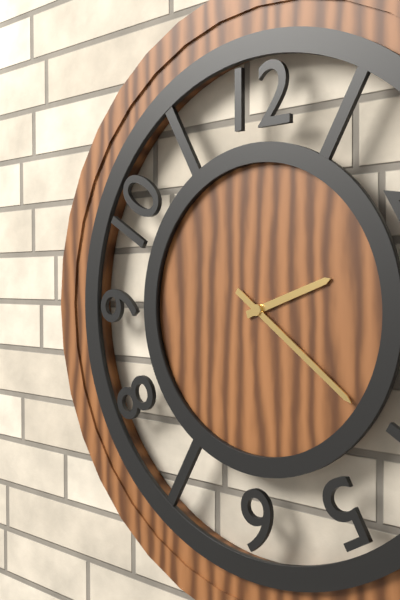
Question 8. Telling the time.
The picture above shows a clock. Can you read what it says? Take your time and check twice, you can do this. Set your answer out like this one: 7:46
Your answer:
2:21
